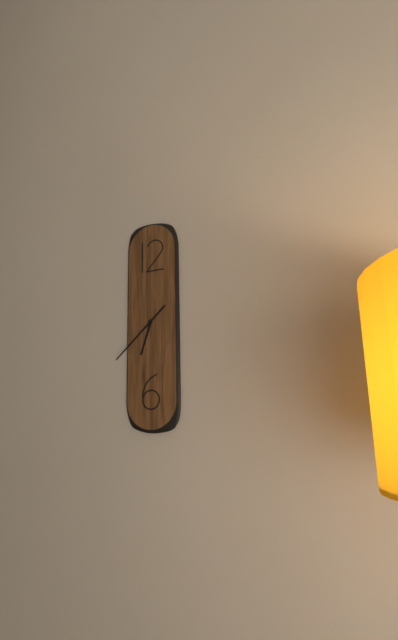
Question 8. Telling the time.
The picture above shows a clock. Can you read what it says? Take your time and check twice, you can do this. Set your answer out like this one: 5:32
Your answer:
6:38
